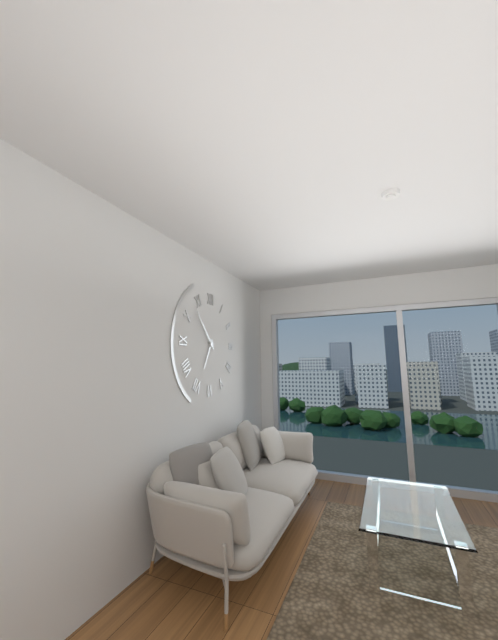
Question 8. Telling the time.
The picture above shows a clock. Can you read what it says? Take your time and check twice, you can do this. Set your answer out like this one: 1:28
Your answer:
6:53
